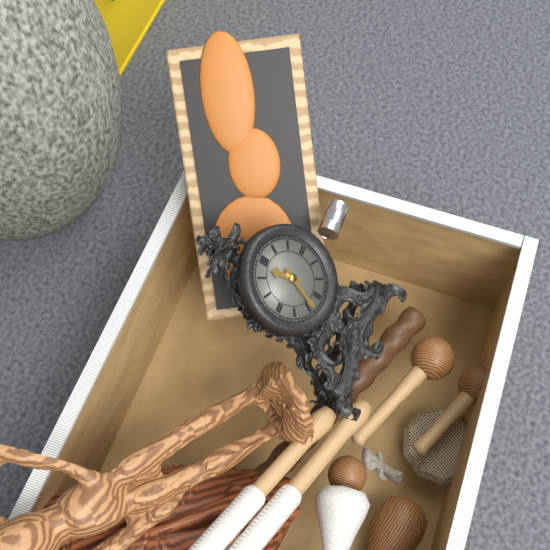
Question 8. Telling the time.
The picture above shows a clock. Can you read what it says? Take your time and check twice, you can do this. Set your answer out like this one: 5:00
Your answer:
11:34
